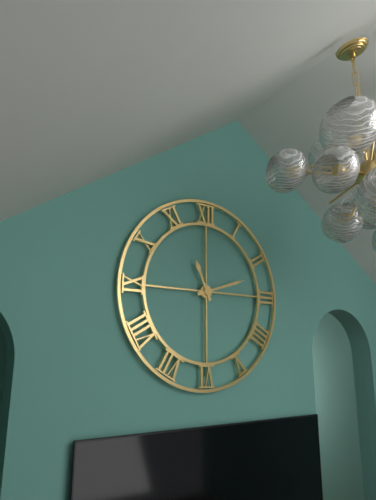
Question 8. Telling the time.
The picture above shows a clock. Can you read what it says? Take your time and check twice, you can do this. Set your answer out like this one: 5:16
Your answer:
11:12
